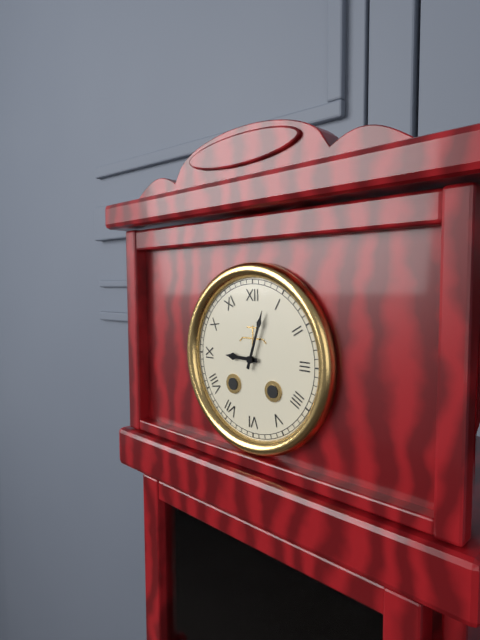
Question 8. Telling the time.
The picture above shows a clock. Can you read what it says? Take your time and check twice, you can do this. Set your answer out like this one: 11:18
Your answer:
9:03
